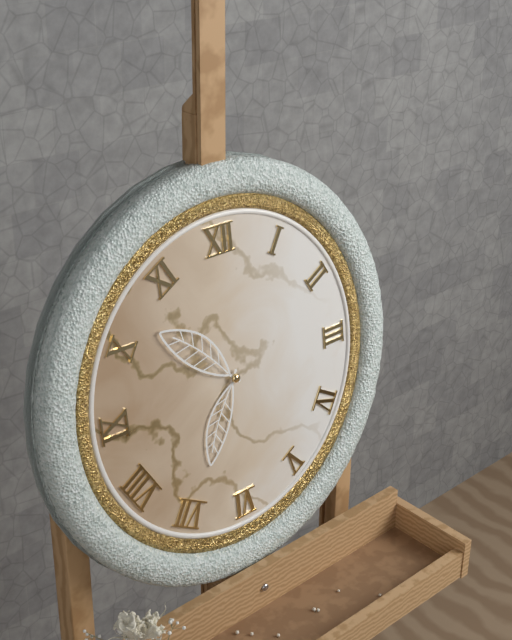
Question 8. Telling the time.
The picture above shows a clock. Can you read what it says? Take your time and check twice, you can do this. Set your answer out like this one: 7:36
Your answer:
6:52
